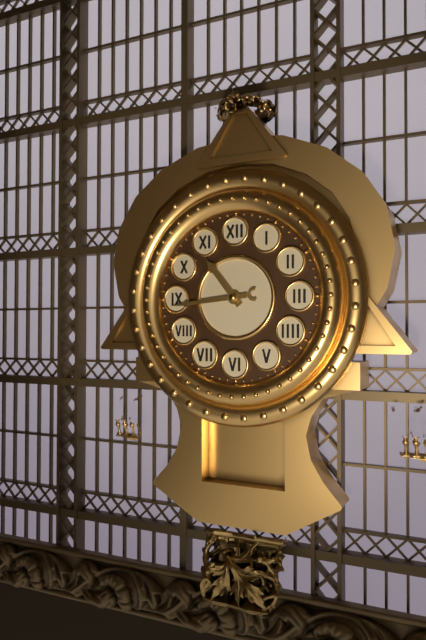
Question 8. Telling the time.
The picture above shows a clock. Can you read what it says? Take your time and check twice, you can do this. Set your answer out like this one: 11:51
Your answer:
10:44
